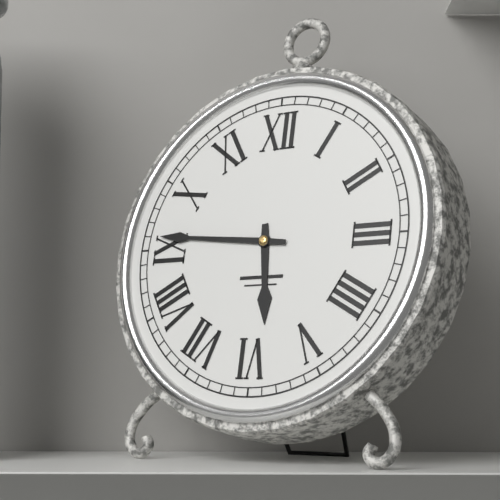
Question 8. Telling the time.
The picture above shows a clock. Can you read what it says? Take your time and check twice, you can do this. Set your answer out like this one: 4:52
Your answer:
5:46
